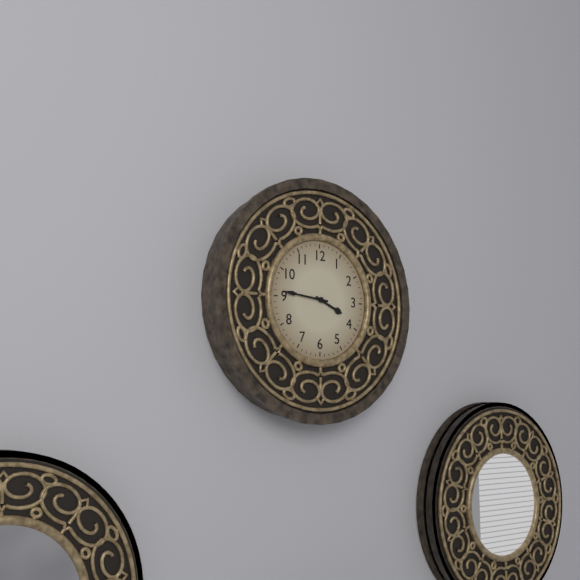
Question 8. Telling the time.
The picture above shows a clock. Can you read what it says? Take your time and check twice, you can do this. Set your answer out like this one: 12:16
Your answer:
3:46
